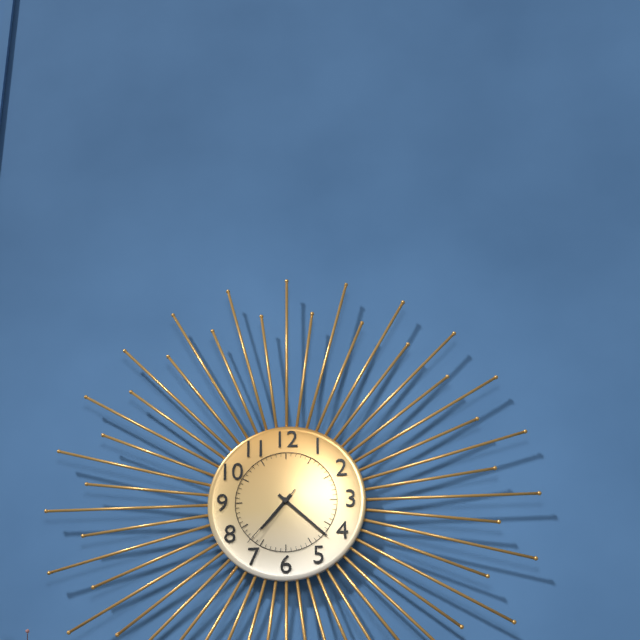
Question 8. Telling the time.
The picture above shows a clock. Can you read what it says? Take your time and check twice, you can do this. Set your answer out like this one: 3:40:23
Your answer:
7:22:37
